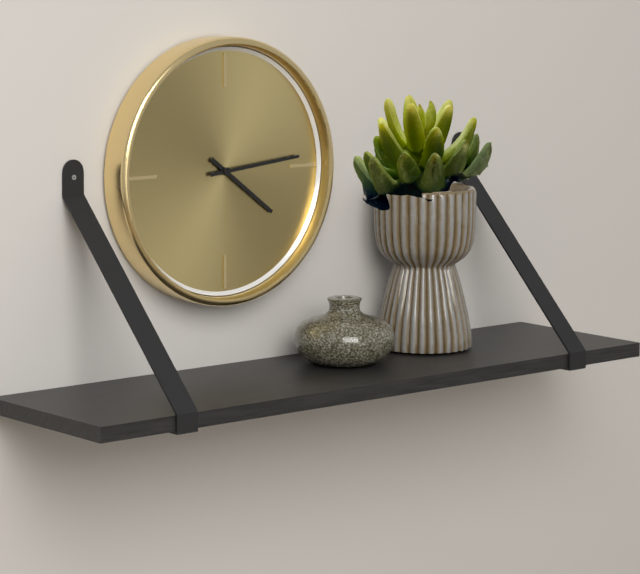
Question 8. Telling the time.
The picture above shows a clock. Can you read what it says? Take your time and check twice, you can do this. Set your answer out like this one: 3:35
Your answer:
4:14
